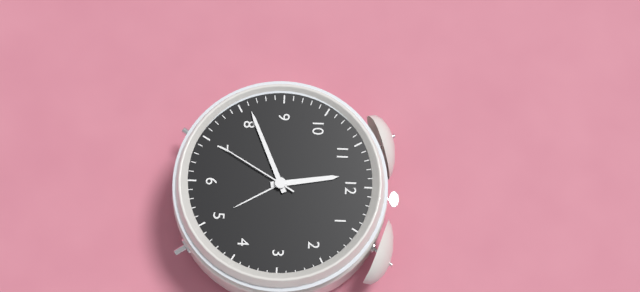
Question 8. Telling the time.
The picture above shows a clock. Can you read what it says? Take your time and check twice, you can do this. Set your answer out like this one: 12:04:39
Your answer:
11:41:35
